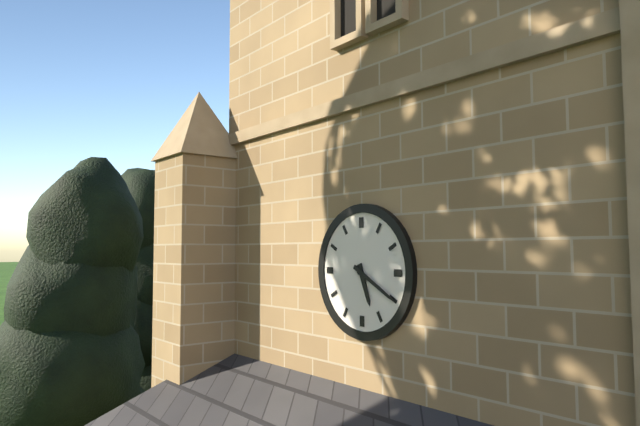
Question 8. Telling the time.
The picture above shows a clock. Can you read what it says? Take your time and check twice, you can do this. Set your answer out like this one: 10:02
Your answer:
5:20
